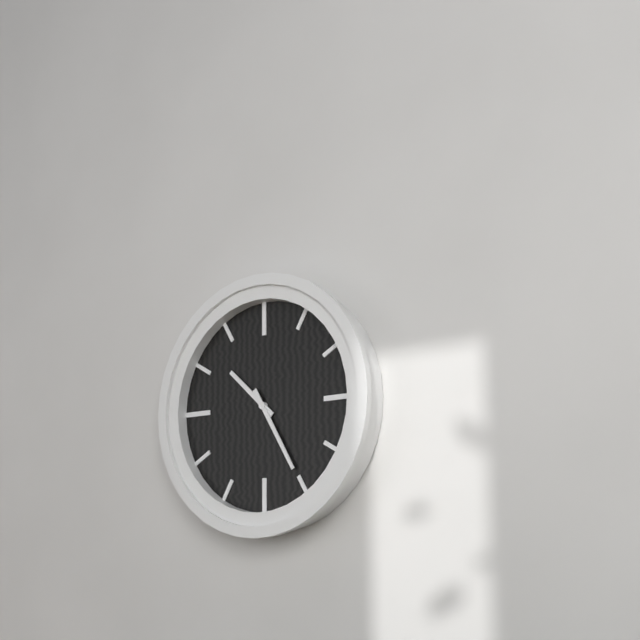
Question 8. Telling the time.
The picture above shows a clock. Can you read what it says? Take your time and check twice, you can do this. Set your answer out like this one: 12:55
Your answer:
10:25
